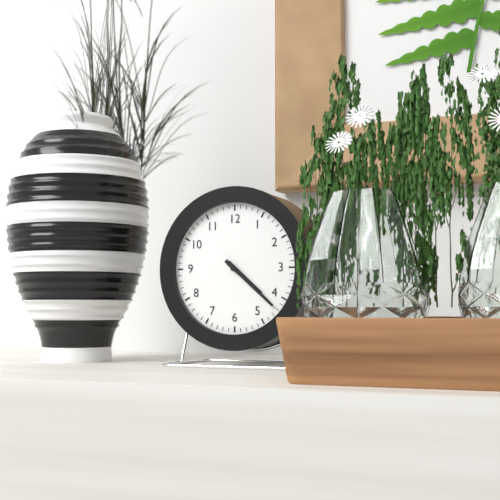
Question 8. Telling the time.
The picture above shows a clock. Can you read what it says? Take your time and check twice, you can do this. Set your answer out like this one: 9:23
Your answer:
4:22
